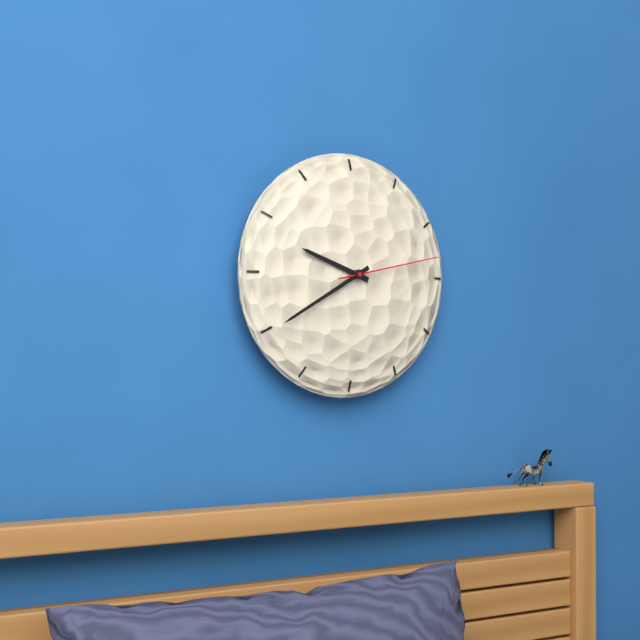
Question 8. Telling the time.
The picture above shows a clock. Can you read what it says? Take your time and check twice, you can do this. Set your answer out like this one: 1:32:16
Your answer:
9:40:13
